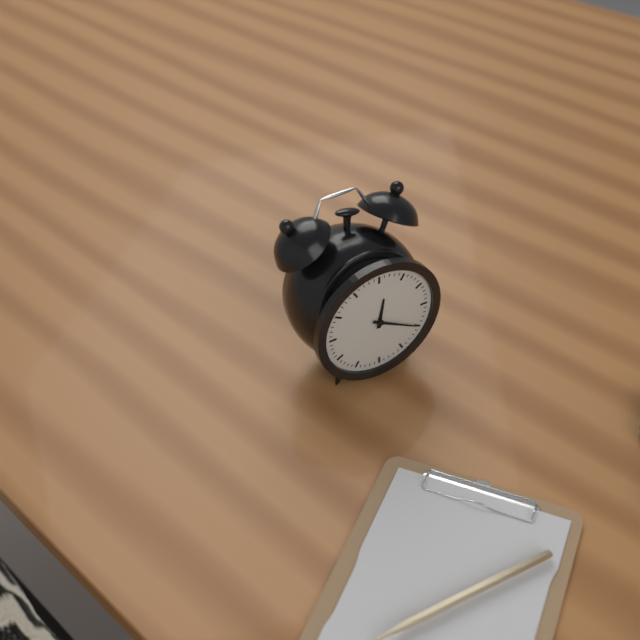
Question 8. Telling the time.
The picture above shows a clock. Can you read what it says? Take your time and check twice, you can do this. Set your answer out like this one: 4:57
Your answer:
12:20
